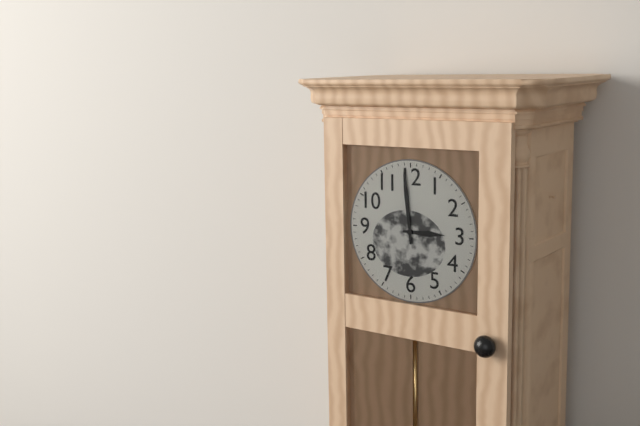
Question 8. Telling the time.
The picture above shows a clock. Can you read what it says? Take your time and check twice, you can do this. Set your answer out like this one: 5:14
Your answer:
2:59
